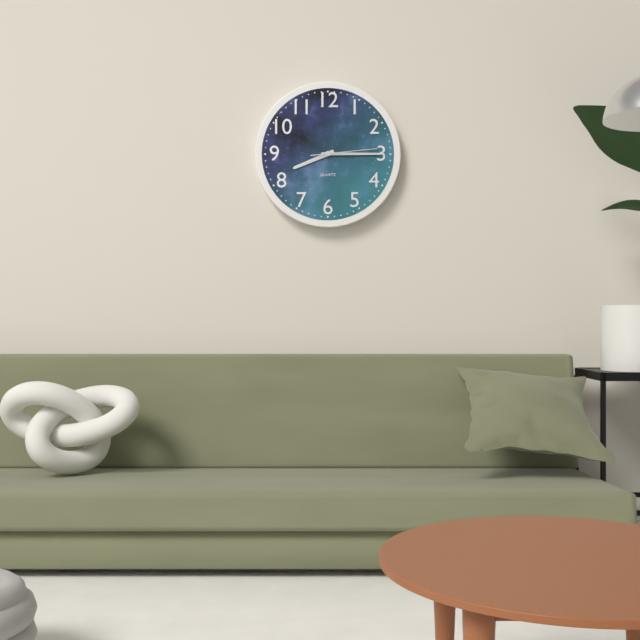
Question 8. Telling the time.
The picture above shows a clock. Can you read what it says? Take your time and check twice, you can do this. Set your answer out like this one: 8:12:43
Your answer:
8:15:14
